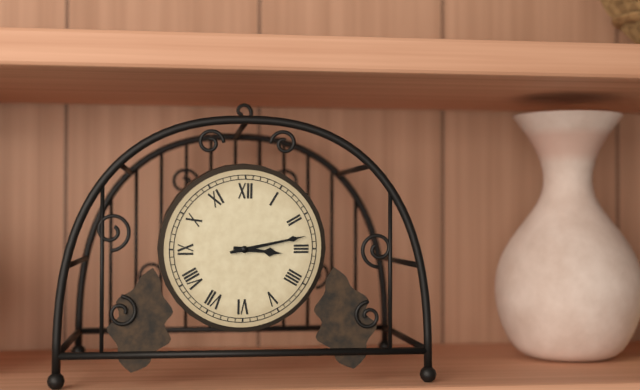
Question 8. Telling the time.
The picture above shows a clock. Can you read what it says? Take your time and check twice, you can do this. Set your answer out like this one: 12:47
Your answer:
3:13
